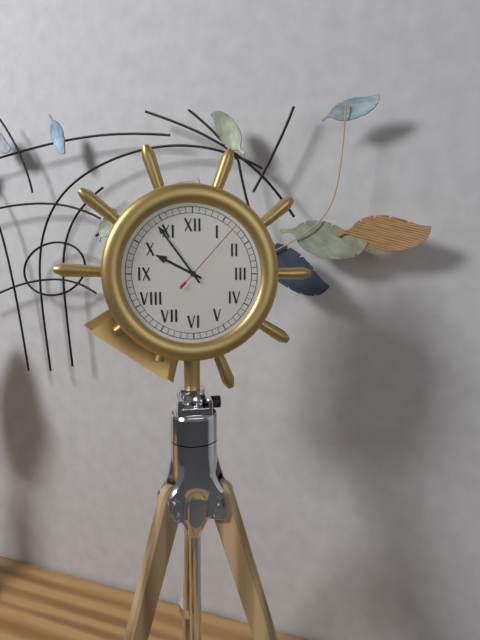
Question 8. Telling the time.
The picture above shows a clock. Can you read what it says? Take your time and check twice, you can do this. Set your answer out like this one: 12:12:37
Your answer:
9:54:07
